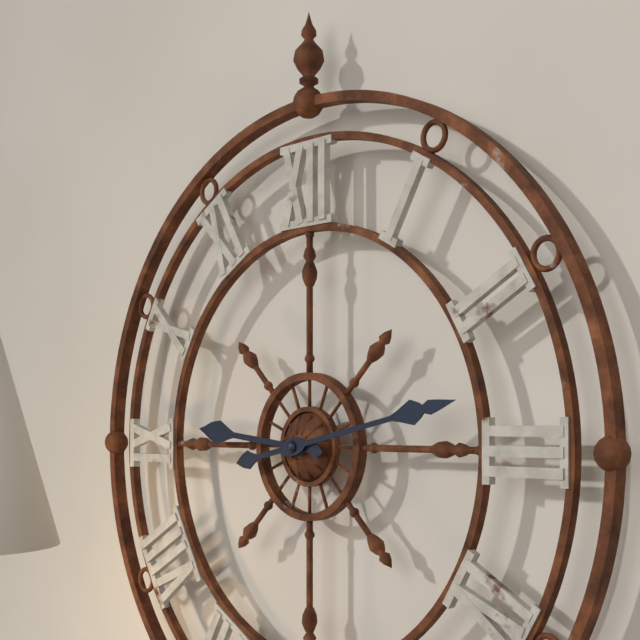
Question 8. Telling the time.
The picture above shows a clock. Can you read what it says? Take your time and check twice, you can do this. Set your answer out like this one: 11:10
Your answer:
9:13
